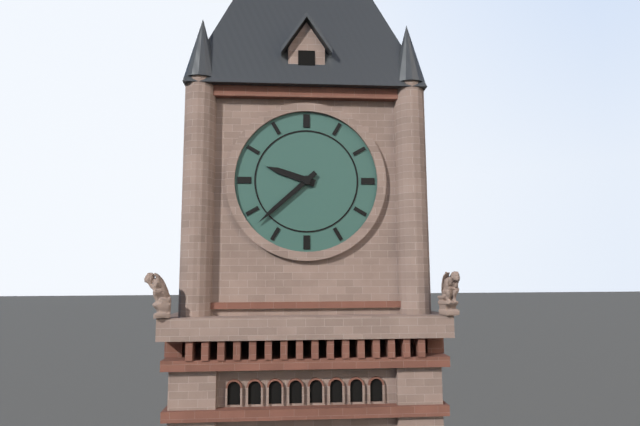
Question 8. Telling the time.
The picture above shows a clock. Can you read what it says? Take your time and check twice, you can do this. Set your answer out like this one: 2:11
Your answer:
9:38
